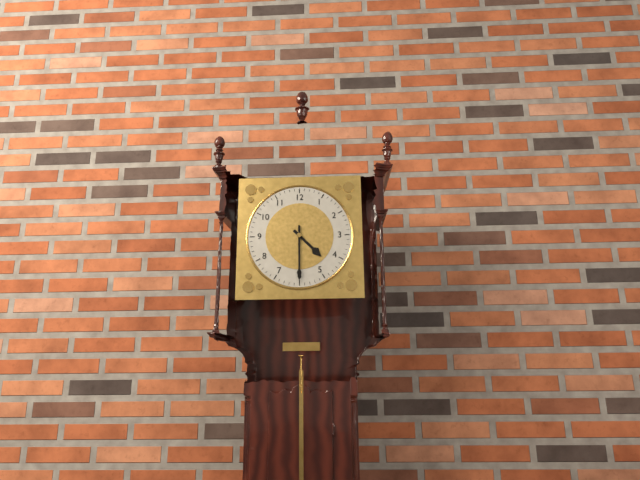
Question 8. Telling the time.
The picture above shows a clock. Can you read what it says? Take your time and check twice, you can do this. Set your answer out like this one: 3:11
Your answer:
4:30
